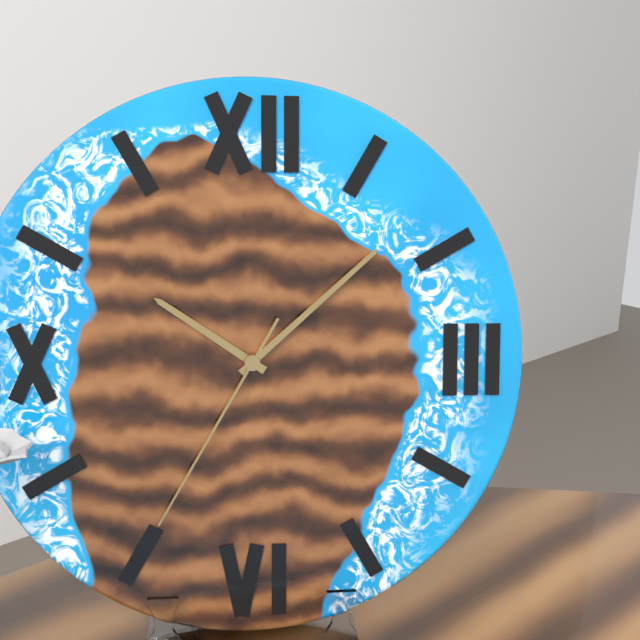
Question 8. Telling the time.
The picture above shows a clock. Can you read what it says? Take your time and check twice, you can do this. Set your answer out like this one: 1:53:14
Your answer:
10:08:35
